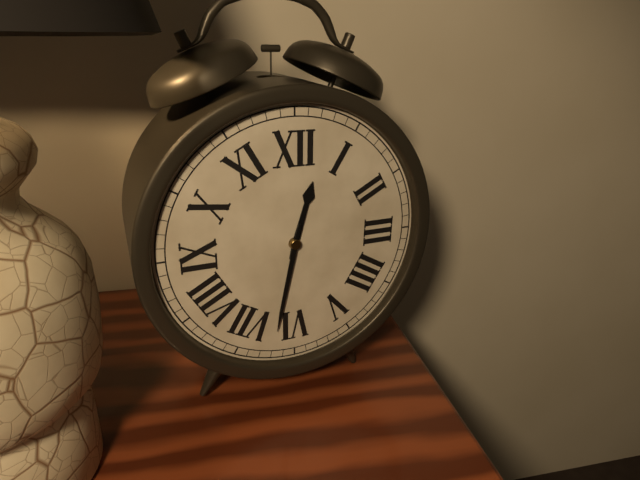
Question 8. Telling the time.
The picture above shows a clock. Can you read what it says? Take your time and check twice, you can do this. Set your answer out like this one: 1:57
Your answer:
12:32
